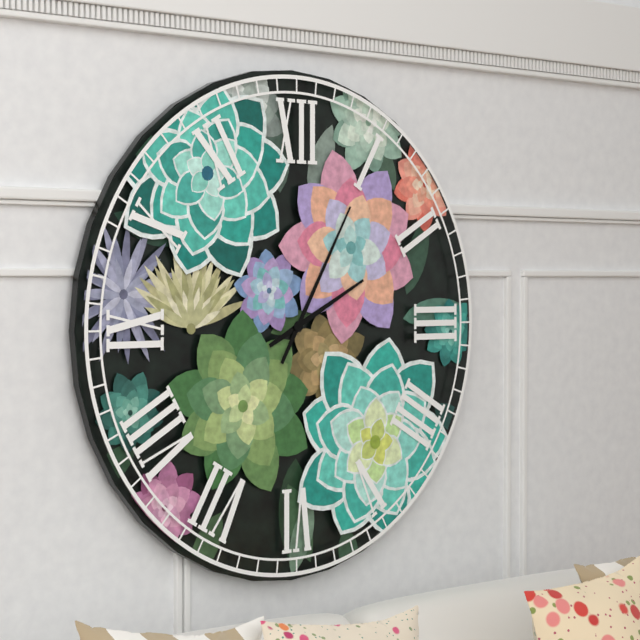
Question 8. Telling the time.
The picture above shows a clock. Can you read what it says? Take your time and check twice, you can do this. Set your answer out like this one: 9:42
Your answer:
2:05
